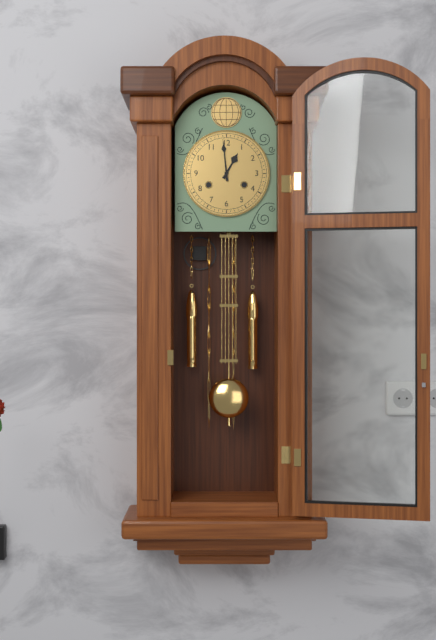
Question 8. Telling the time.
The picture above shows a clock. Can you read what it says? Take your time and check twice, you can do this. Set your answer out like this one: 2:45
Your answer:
12:59
